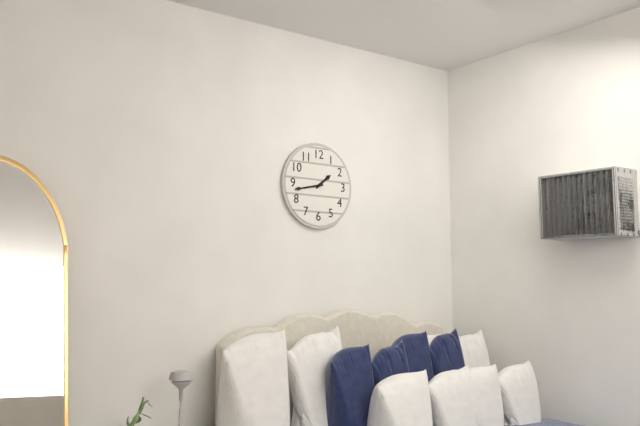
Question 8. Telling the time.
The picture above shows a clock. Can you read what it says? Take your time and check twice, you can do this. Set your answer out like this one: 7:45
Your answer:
1:43
